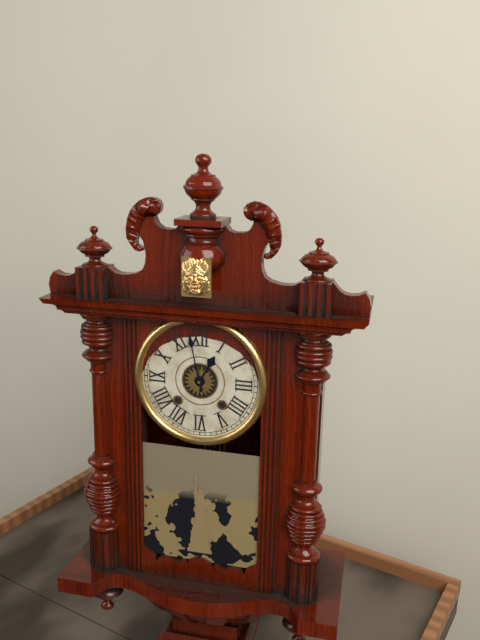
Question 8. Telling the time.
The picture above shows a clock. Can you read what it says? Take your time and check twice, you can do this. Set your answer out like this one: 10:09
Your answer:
12:58
